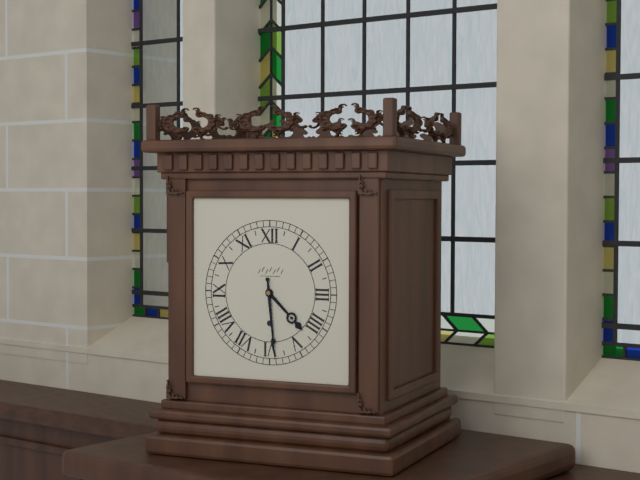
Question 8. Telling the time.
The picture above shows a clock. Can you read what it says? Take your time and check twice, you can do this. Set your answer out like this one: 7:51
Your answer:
4:29
